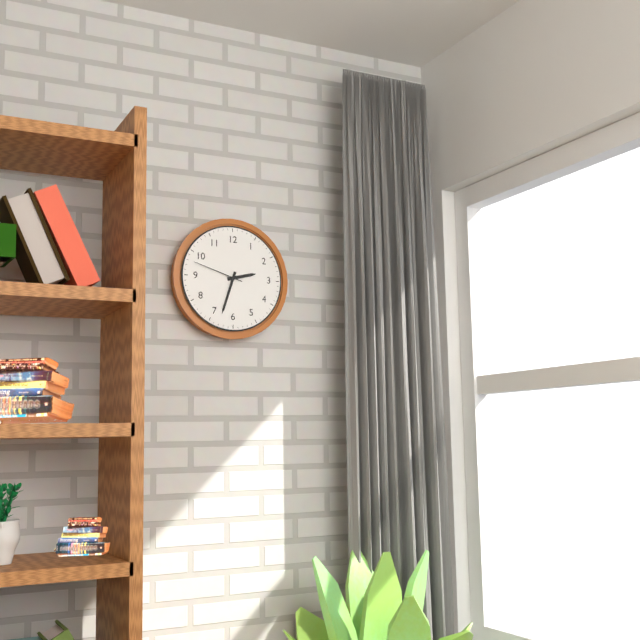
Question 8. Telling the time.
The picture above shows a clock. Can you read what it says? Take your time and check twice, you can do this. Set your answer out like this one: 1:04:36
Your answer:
2:33:48
